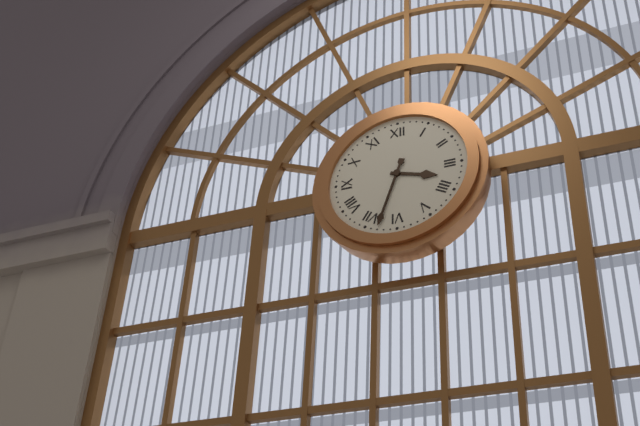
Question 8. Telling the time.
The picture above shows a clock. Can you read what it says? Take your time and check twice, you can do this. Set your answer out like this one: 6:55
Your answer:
3:33
